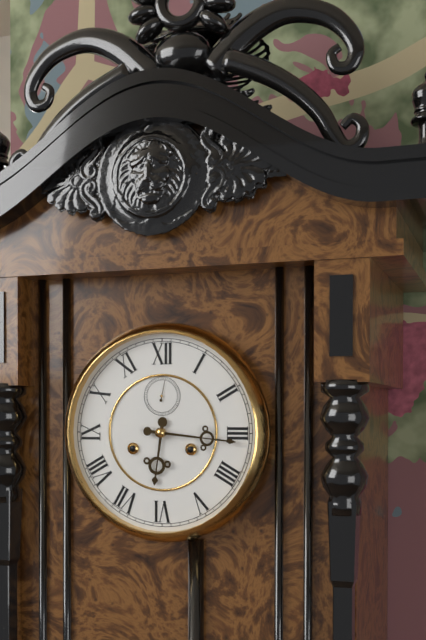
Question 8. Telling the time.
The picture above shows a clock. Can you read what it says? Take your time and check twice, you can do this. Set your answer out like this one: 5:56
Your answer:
6:16
